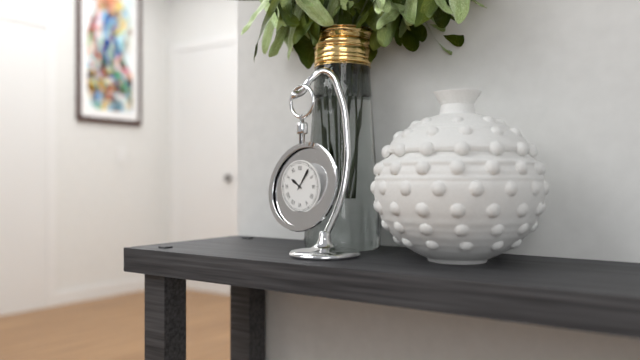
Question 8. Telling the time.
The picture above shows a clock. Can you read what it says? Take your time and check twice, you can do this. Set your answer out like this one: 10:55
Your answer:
10:06
